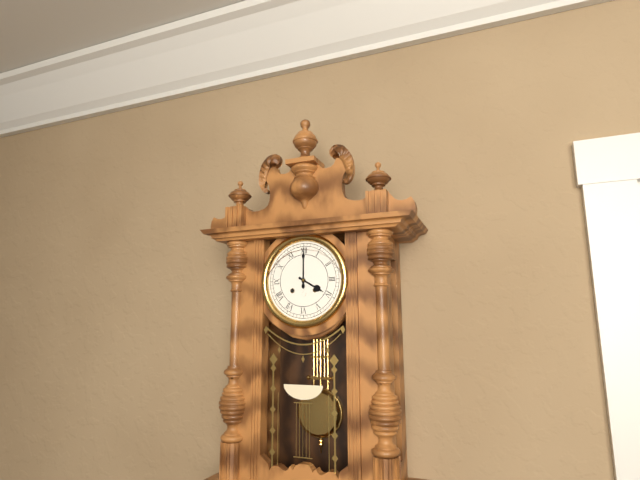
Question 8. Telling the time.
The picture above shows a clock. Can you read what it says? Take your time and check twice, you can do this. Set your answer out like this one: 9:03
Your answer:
4:00
